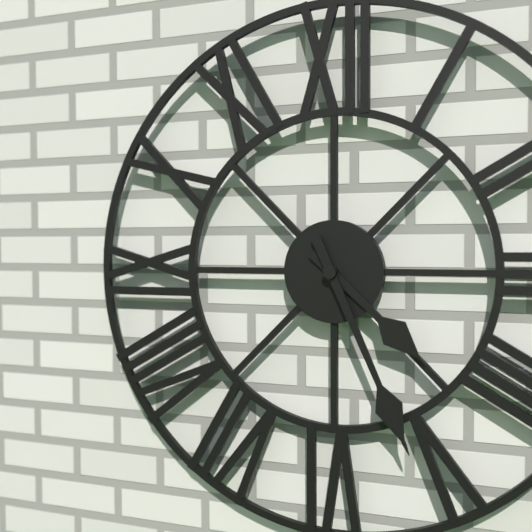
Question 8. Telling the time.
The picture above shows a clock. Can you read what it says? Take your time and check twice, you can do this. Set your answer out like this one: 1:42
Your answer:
4:26
